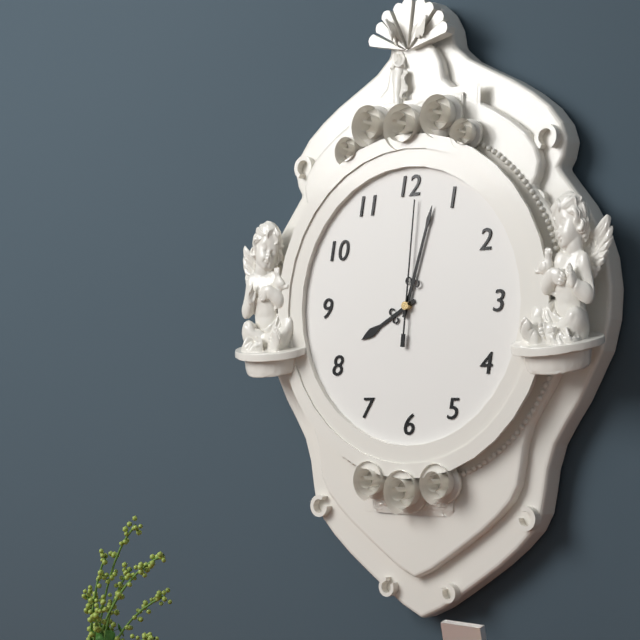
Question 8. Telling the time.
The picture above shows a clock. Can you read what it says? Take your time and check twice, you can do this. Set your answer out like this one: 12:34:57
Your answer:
8:03:01
